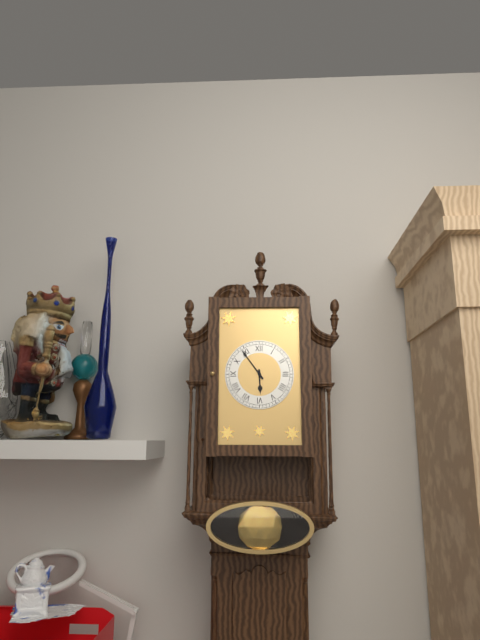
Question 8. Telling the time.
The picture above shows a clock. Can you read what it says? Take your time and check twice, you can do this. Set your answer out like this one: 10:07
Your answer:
5:54
